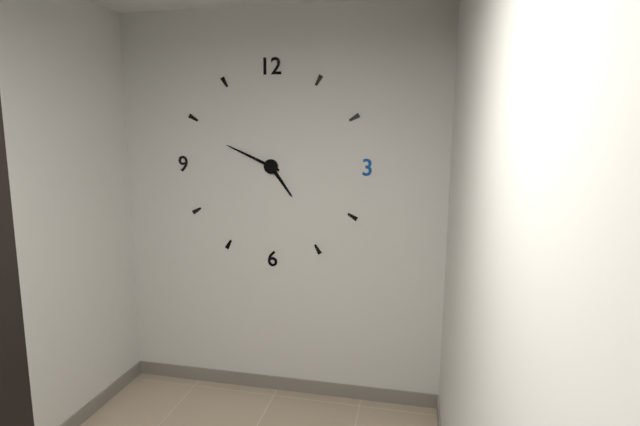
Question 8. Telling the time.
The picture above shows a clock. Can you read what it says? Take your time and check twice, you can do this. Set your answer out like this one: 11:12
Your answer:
4:49
